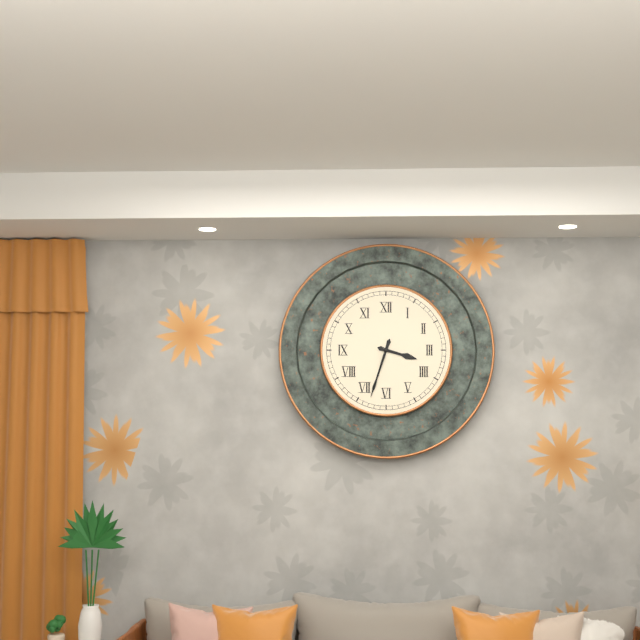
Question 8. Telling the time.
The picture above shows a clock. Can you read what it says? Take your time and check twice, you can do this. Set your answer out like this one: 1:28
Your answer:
3:33
